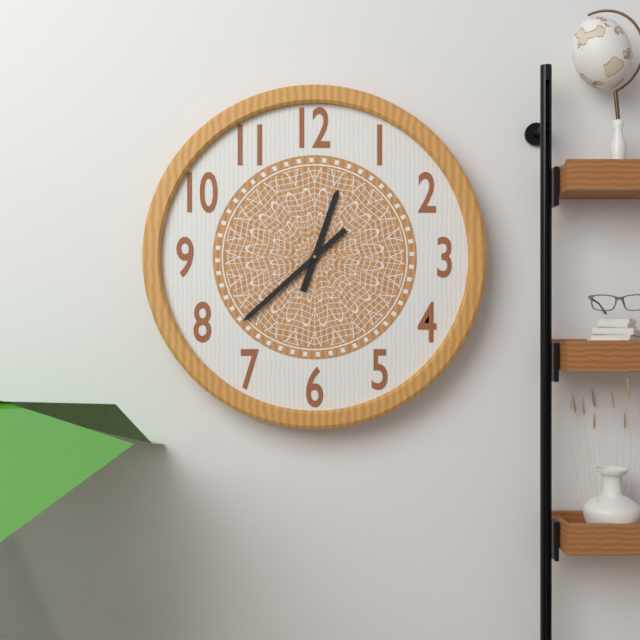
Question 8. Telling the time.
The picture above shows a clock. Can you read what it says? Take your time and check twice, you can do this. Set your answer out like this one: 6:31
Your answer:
12:38
